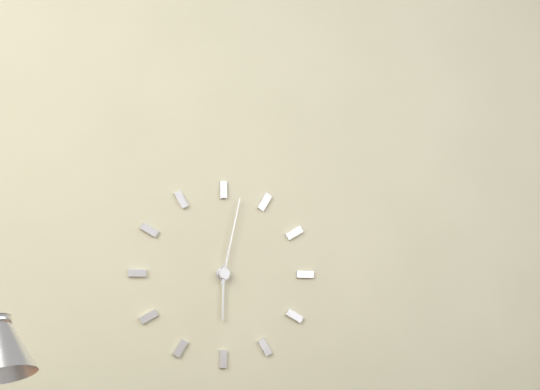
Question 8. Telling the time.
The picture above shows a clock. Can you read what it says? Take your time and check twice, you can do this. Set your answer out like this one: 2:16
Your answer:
6:02
